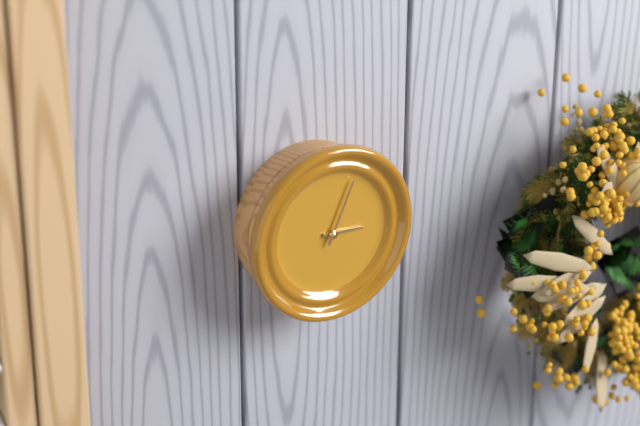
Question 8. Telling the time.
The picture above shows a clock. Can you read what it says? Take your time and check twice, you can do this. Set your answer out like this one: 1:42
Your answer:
3:04
